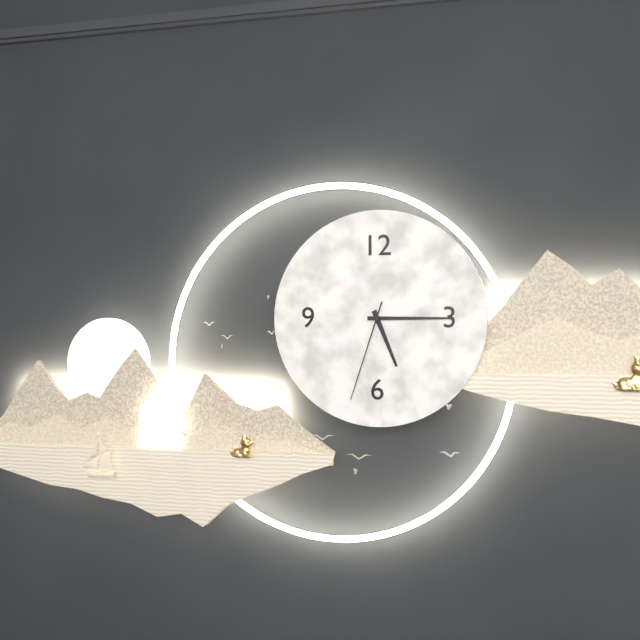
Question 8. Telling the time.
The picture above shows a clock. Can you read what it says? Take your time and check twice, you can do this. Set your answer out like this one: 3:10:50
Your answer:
5:15:33
